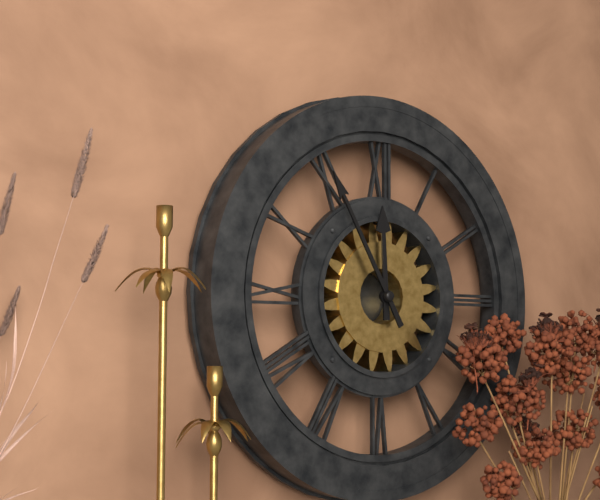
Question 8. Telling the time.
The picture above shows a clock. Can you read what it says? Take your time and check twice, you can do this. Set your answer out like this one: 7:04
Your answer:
11:55
